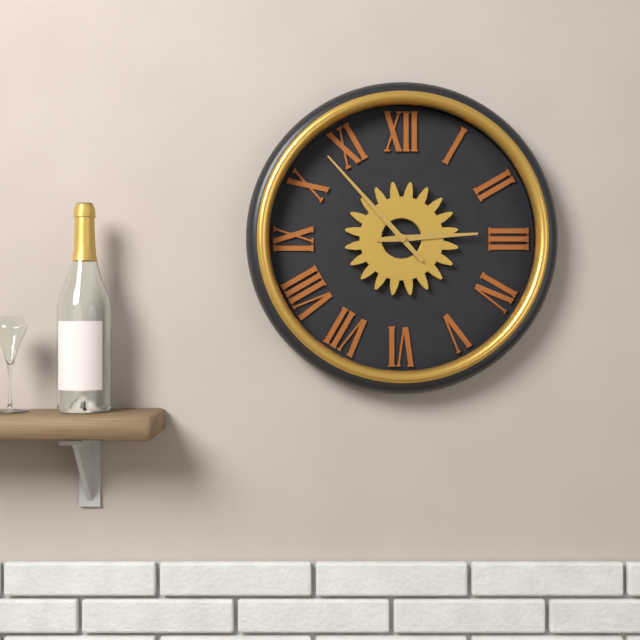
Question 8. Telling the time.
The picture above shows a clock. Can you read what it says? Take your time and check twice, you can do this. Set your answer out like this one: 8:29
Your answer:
2:53
